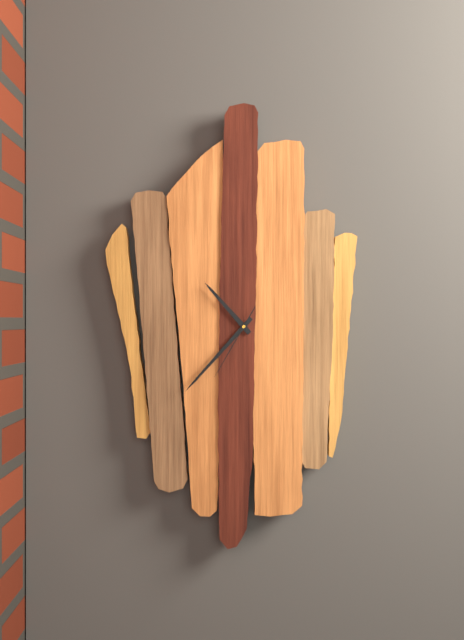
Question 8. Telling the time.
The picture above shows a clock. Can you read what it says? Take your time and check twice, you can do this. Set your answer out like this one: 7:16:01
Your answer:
10:37:35
